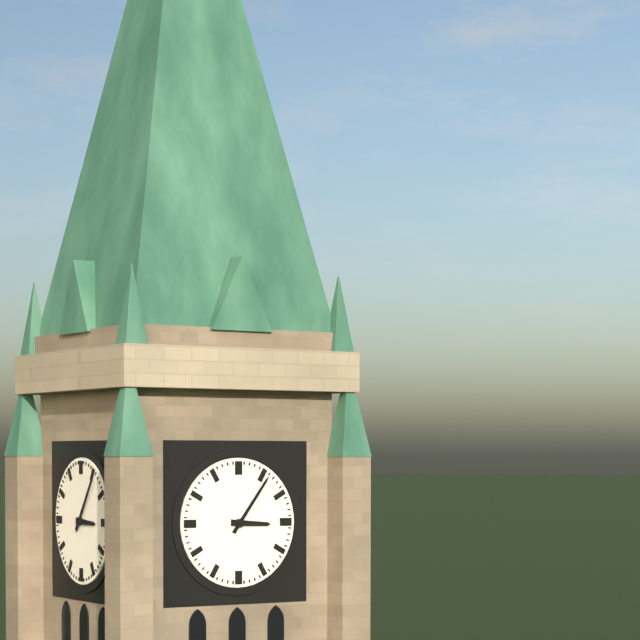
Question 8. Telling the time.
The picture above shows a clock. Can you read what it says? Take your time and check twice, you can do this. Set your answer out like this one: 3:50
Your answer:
3:06
